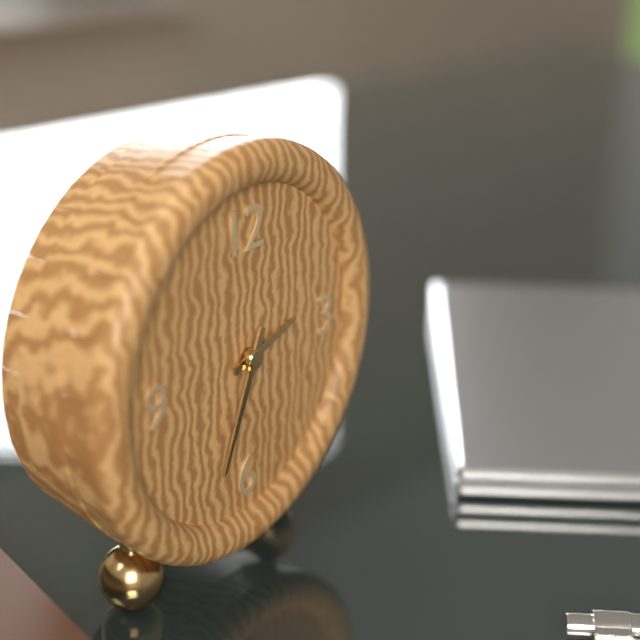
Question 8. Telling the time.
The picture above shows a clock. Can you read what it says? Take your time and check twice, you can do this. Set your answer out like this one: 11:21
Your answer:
2:34
